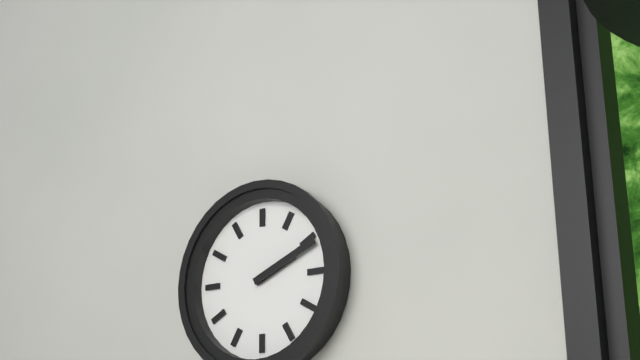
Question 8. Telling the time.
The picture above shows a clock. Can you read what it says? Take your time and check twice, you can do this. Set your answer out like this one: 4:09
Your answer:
2:11
